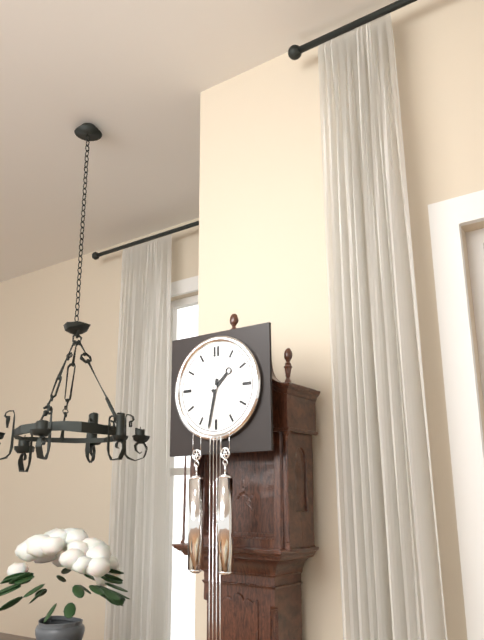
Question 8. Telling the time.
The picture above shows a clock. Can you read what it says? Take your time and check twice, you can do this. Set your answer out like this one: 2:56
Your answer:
1:32
